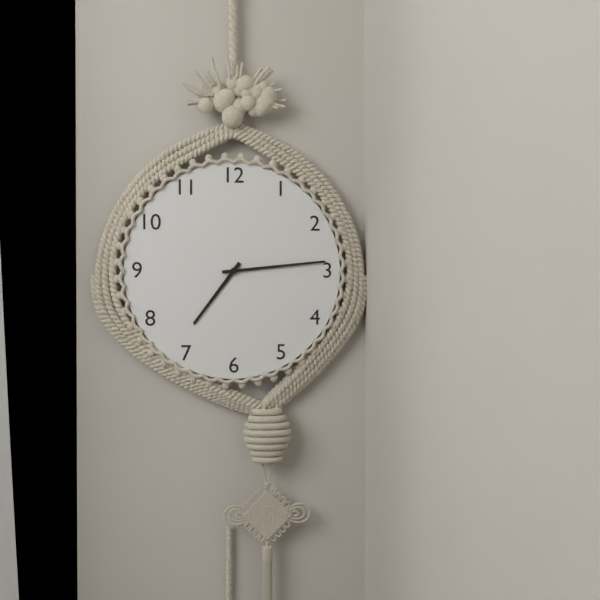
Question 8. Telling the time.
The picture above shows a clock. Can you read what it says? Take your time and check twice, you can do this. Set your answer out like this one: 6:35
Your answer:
7:14
